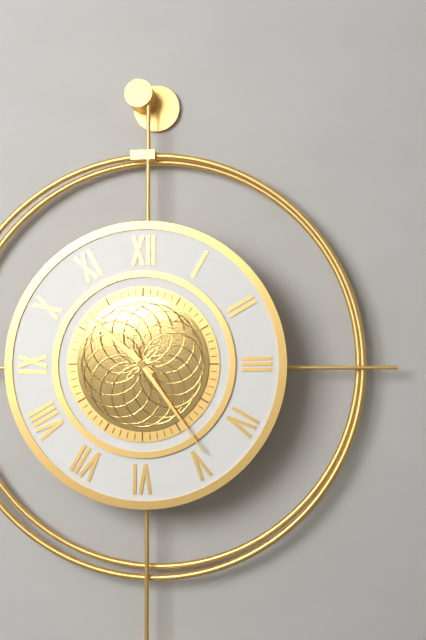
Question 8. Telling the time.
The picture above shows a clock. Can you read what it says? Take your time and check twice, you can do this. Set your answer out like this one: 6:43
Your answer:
10:24
